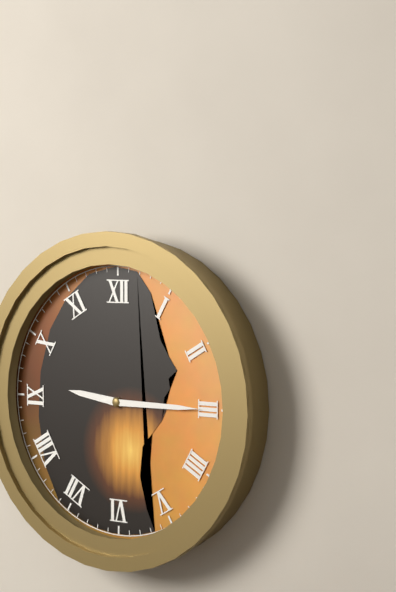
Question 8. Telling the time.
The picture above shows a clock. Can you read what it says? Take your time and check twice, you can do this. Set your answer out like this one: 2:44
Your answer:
9:15
